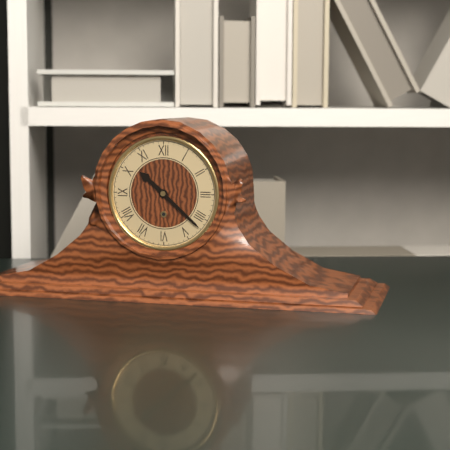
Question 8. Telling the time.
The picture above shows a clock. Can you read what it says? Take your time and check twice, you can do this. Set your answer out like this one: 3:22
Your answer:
10:22
